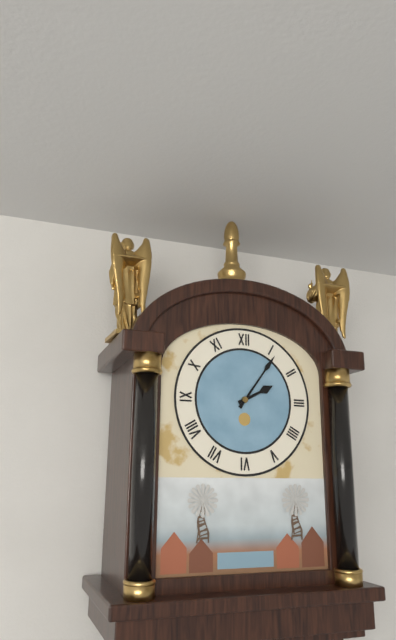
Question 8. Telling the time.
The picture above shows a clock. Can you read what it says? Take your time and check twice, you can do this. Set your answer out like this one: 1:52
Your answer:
2:06
